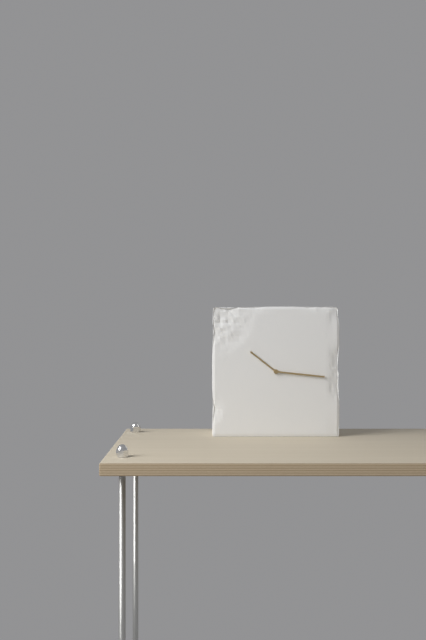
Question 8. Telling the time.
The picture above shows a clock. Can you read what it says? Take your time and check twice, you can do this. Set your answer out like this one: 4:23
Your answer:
10:16
